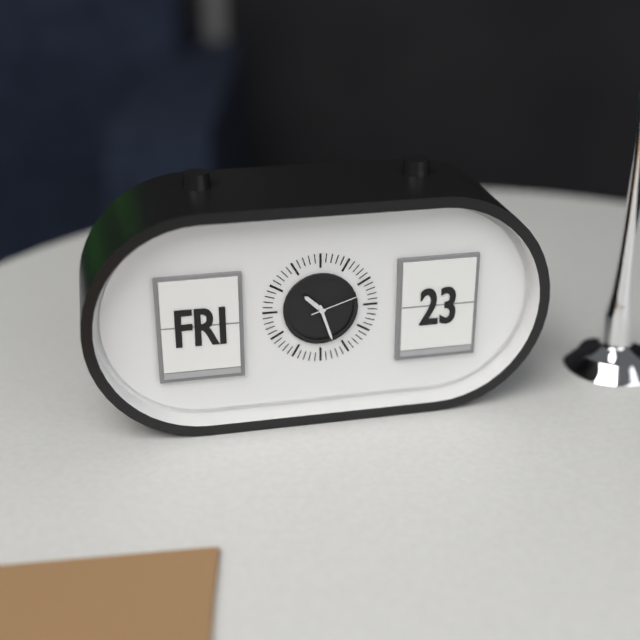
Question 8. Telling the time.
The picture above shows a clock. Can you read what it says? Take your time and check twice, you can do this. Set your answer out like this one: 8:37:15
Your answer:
10:27:12
